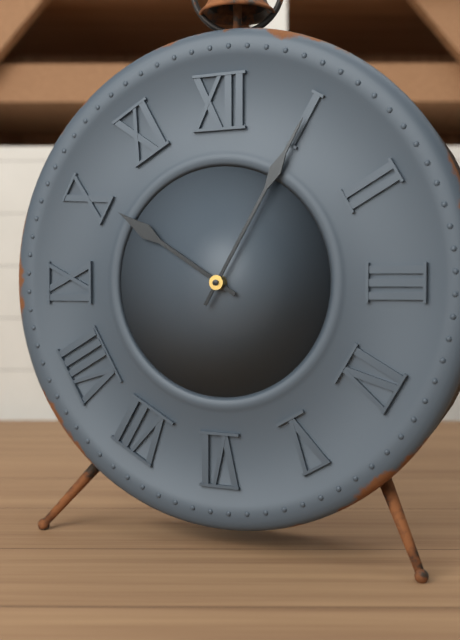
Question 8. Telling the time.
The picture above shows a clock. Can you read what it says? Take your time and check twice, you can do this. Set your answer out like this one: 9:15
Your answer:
10:05
